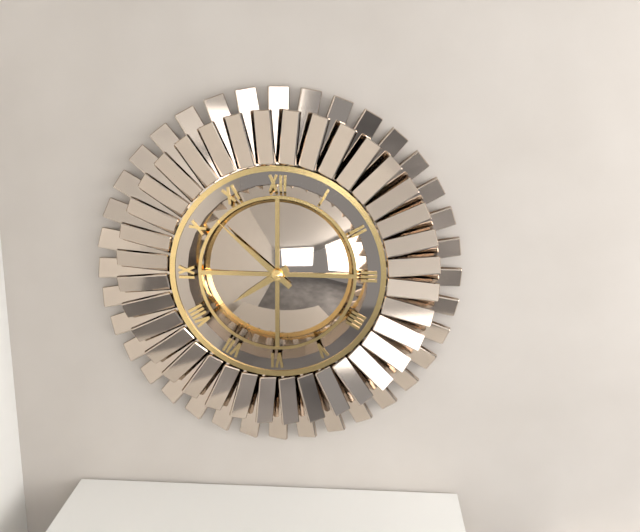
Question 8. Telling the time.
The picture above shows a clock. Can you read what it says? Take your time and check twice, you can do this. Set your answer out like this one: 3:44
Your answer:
7:52
